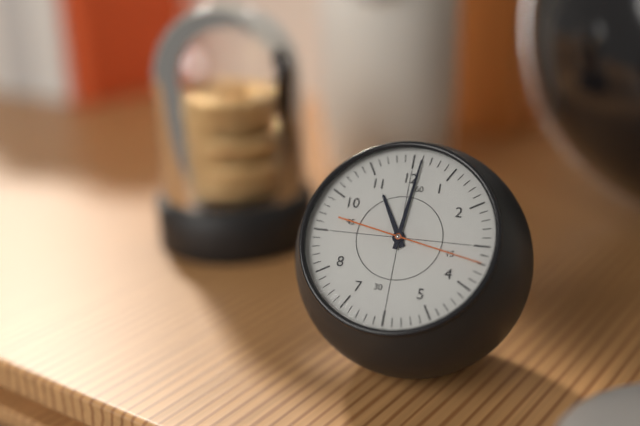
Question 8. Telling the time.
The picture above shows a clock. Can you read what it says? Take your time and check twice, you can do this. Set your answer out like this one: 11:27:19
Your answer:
11:01:17
